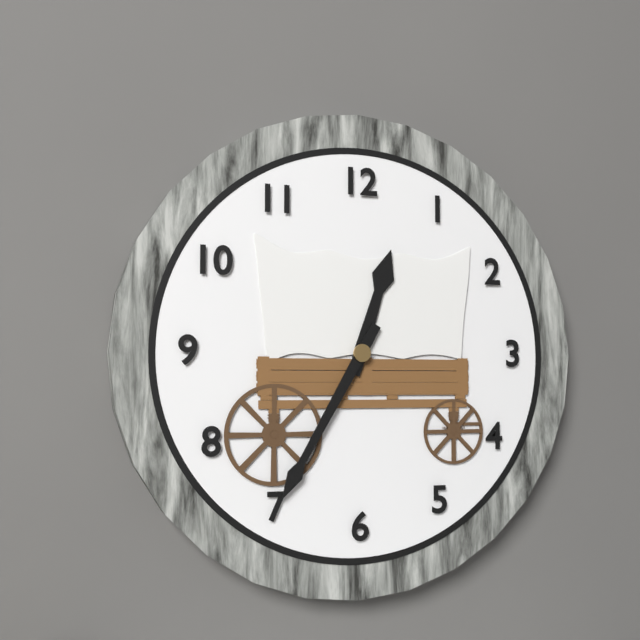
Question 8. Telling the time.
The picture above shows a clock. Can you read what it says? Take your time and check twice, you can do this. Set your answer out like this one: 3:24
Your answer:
12:35
